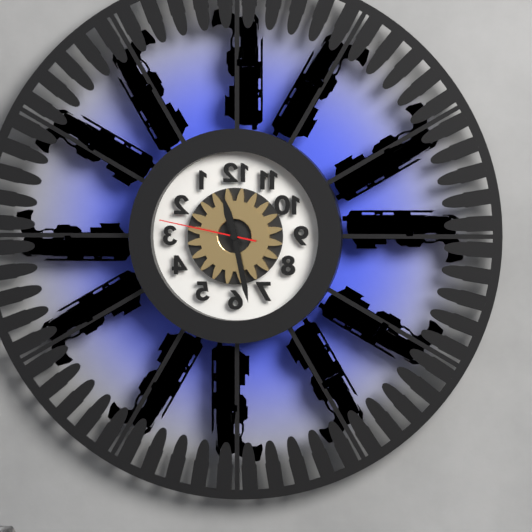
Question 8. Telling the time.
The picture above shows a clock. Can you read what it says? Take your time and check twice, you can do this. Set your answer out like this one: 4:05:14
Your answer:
11:28:47
